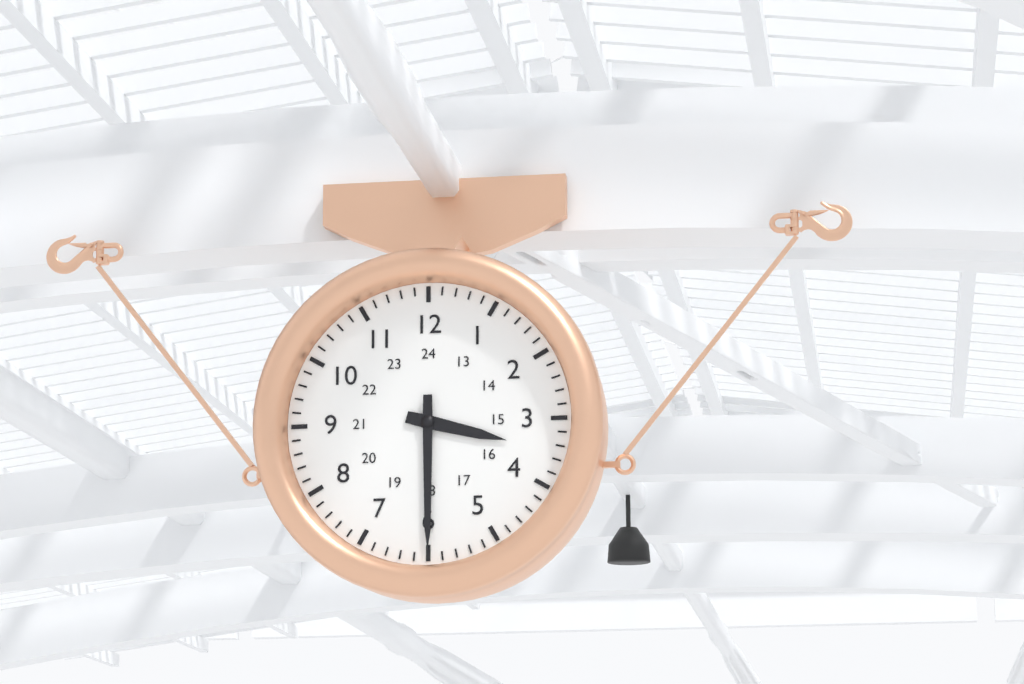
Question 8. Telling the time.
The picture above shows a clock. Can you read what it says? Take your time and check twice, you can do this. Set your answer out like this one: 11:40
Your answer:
3:30
